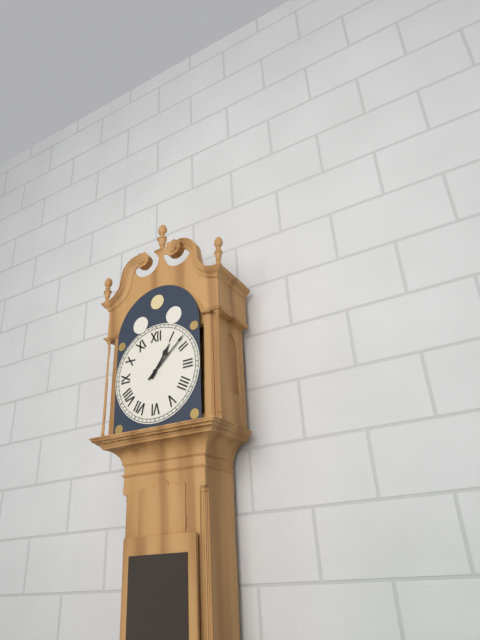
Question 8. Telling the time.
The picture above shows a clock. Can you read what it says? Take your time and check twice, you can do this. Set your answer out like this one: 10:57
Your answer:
1:08
